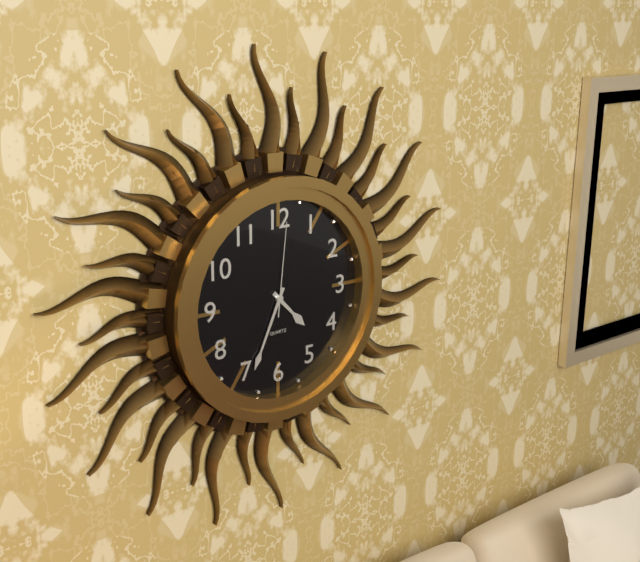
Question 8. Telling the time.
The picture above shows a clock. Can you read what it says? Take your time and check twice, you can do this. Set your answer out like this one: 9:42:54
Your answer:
4:34:01
